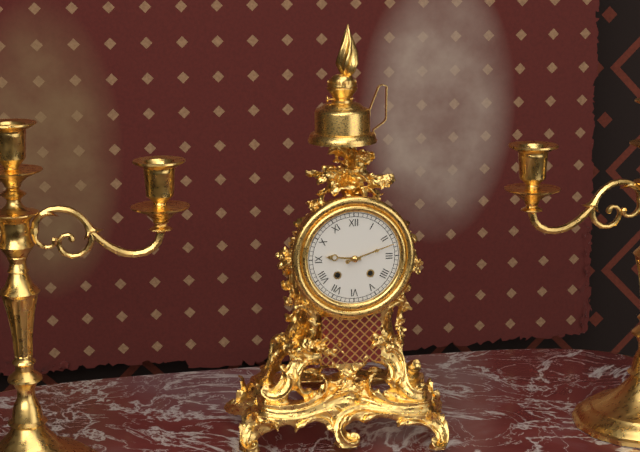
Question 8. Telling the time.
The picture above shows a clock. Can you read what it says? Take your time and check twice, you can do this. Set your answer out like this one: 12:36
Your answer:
9:12
